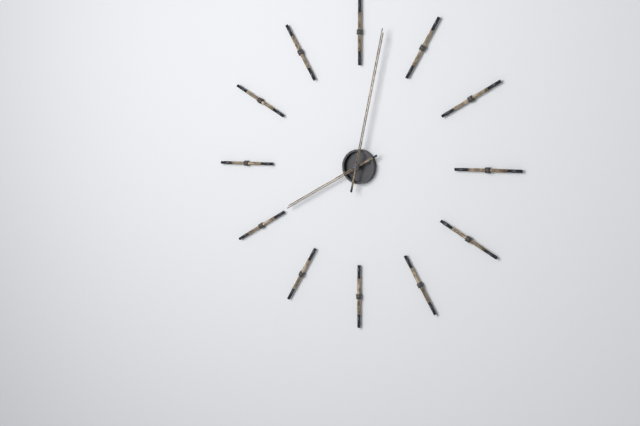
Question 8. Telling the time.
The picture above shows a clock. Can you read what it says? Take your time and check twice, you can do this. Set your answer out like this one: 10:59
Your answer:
8:02
